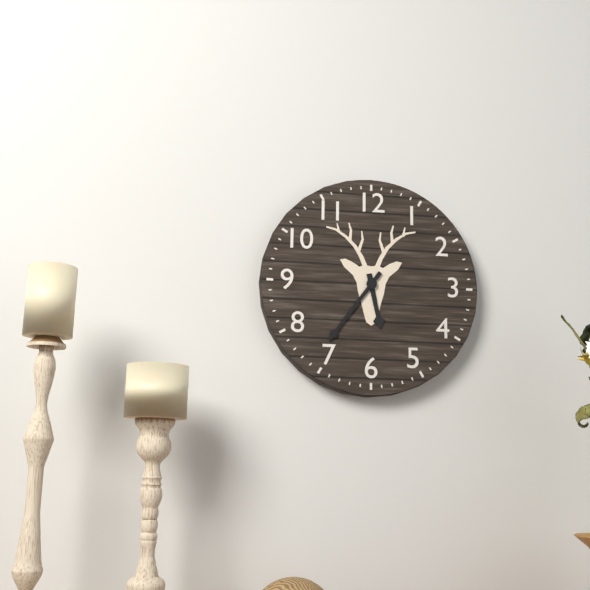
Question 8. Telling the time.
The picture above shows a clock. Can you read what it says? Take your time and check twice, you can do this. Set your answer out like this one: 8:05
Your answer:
5:36
